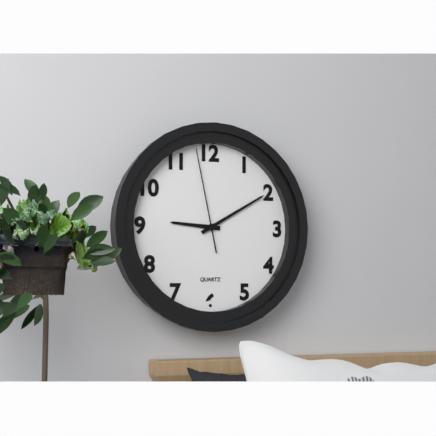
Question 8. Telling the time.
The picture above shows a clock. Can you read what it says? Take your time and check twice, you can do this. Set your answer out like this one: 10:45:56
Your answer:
9:10:58
